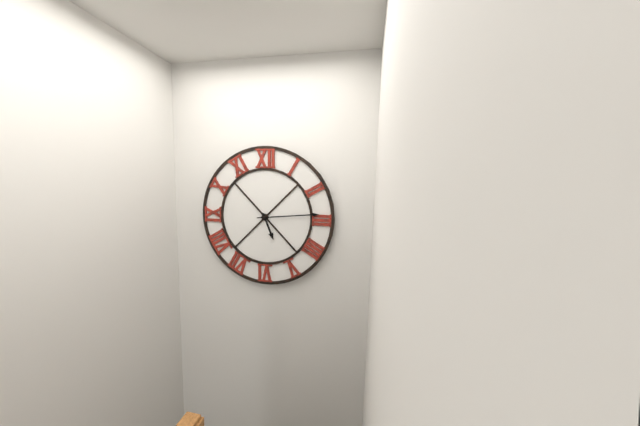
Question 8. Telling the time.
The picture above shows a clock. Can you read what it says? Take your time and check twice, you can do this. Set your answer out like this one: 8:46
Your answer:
5:14
